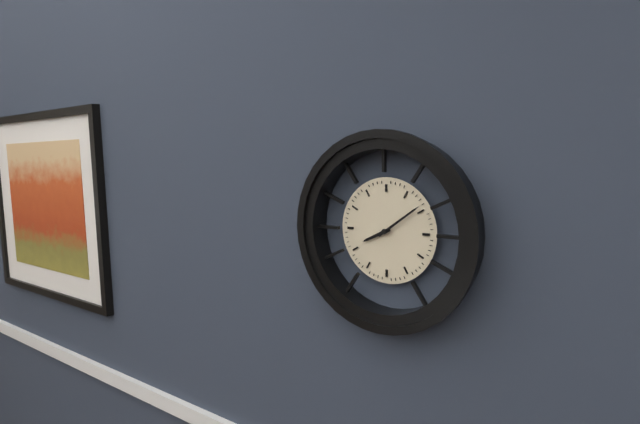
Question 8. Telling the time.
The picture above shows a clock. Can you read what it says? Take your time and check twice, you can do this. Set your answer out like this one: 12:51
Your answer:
8:09
